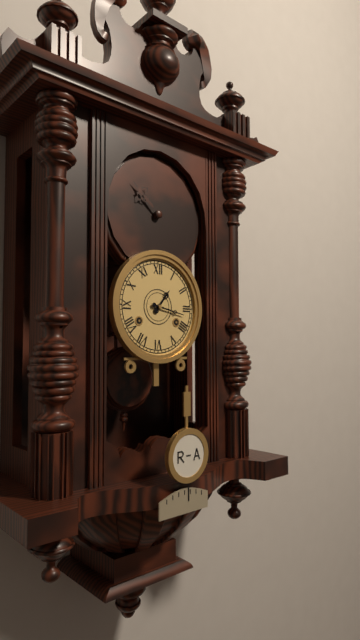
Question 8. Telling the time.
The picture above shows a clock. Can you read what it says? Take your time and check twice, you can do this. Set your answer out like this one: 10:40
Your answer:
1:17
